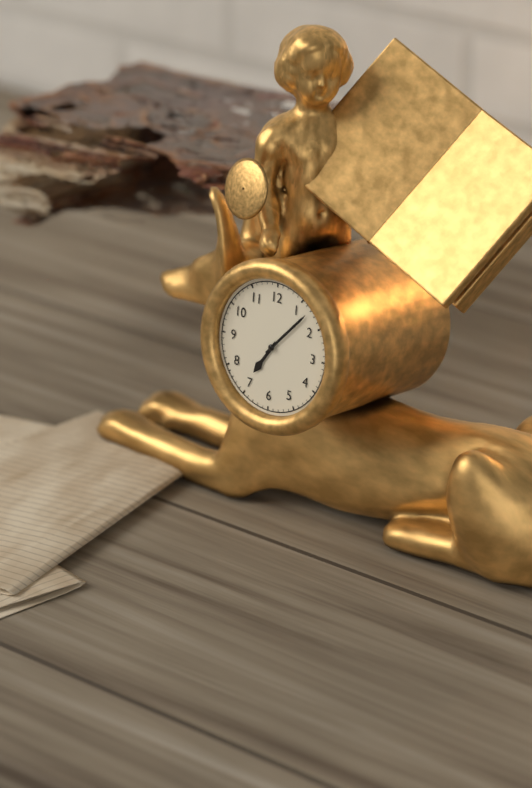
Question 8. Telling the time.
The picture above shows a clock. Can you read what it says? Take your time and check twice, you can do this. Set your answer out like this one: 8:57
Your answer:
7:07
